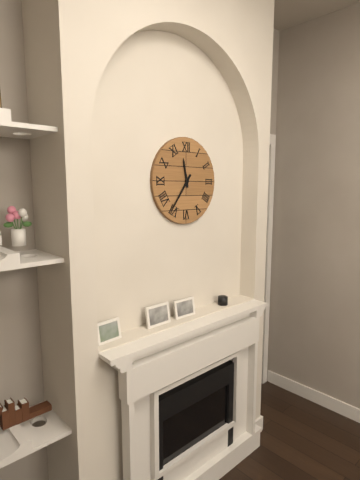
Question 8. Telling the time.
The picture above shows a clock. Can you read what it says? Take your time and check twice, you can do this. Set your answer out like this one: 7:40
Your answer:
11:36
